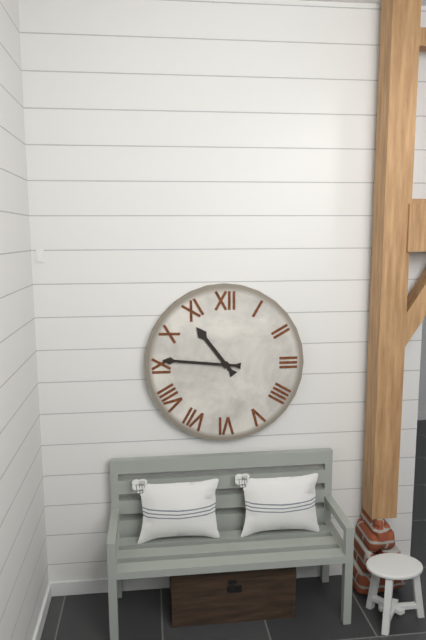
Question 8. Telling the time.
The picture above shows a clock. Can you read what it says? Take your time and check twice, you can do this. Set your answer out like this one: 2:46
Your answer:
10:46
